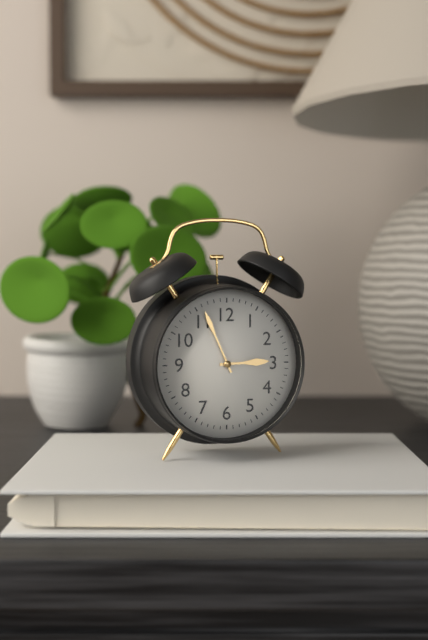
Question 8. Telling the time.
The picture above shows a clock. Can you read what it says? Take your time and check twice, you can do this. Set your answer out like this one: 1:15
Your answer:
2:56
